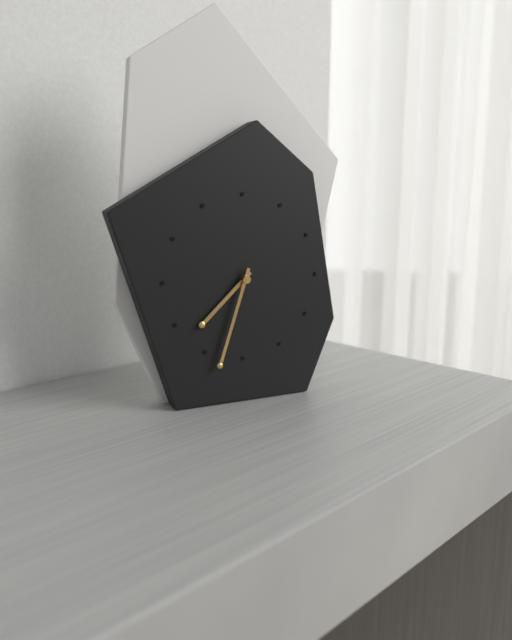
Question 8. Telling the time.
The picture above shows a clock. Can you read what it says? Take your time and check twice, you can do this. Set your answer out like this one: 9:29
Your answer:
7:33
